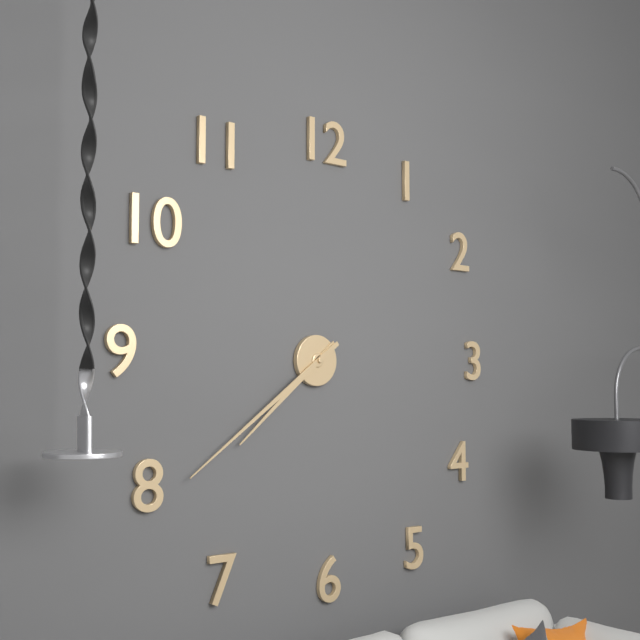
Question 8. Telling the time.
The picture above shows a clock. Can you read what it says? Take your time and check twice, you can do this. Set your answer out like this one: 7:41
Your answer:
7:39
